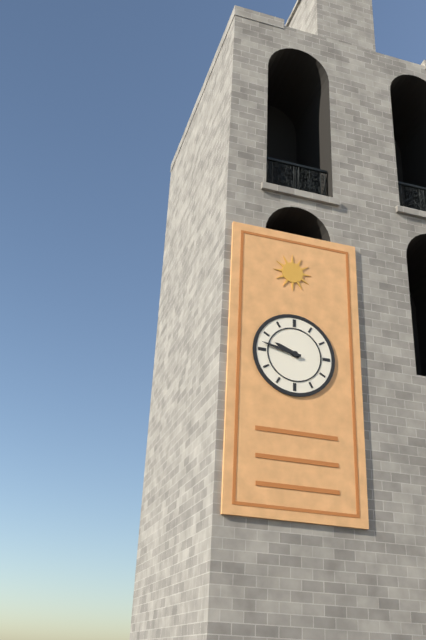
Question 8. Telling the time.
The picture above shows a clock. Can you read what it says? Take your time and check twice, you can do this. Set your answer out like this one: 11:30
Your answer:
9:47
